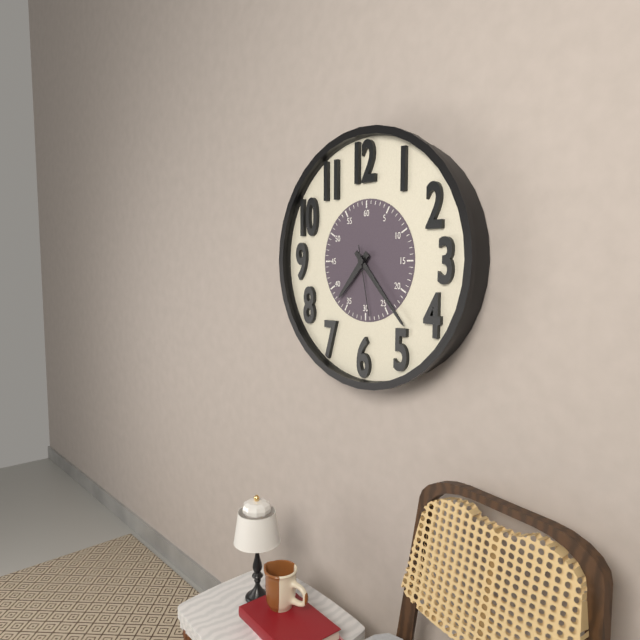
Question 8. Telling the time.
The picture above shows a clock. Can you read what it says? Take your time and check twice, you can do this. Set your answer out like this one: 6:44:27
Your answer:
7:23:28
